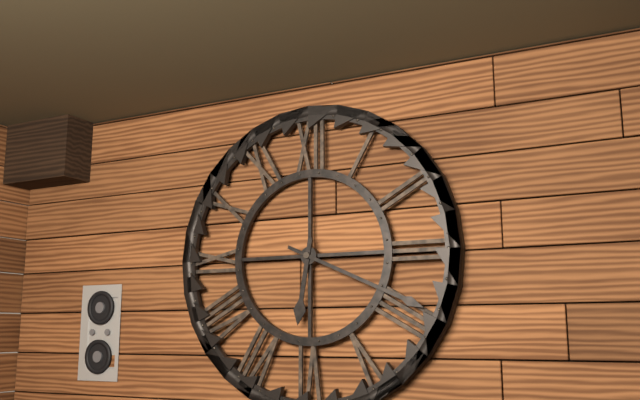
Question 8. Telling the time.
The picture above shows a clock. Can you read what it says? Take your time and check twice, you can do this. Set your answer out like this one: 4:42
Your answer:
6:19
